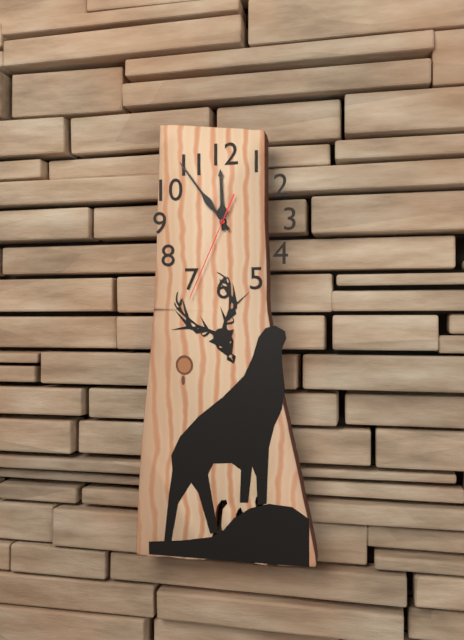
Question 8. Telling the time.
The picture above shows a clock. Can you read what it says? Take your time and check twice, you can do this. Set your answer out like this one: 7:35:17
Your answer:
11:54:34
